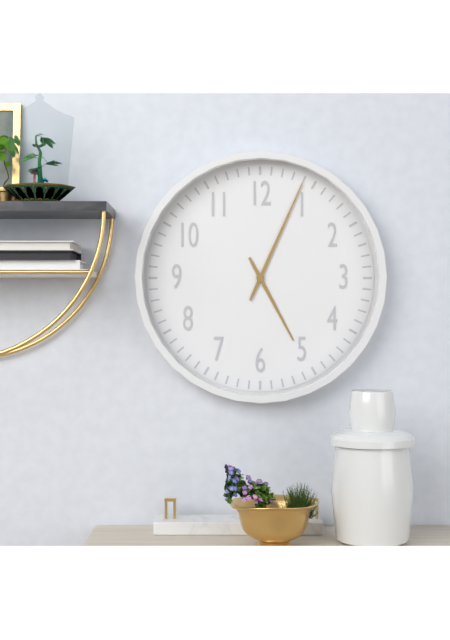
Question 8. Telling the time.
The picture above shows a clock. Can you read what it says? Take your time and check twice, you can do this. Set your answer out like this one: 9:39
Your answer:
5:04
